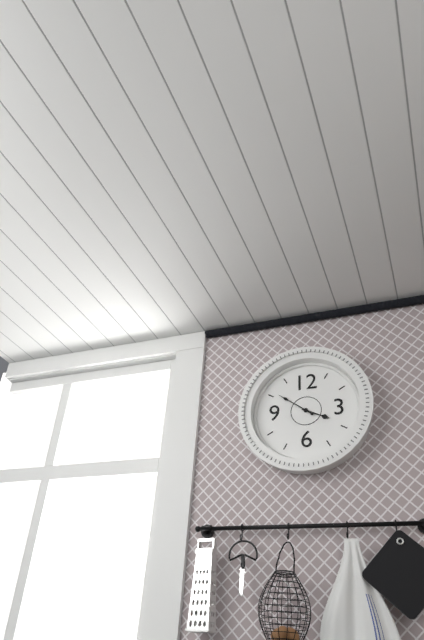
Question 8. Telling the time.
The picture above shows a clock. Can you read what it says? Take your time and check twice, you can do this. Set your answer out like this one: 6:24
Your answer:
3:51
